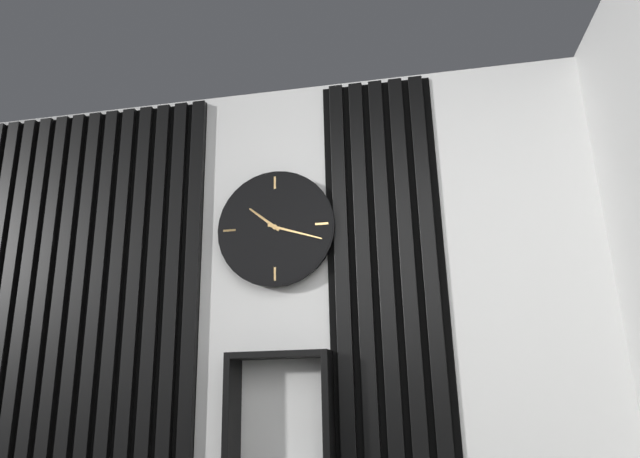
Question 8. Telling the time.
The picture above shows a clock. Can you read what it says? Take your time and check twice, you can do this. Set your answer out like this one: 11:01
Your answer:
10:18
